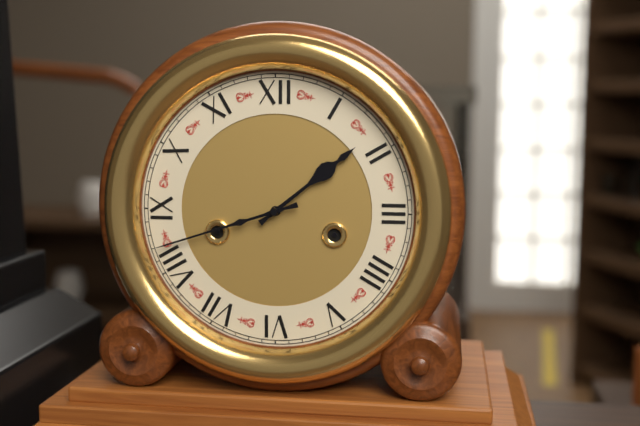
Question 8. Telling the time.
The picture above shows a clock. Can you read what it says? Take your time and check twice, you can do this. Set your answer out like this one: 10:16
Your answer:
1:42
